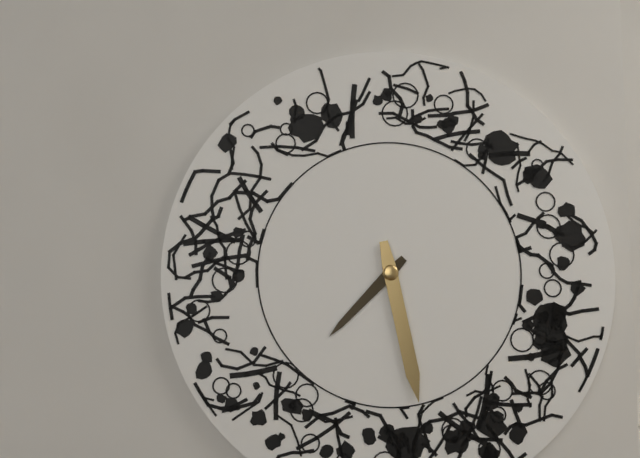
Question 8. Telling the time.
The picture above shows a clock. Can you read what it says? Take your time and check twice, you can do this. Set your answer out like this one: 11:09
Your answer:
7:28
